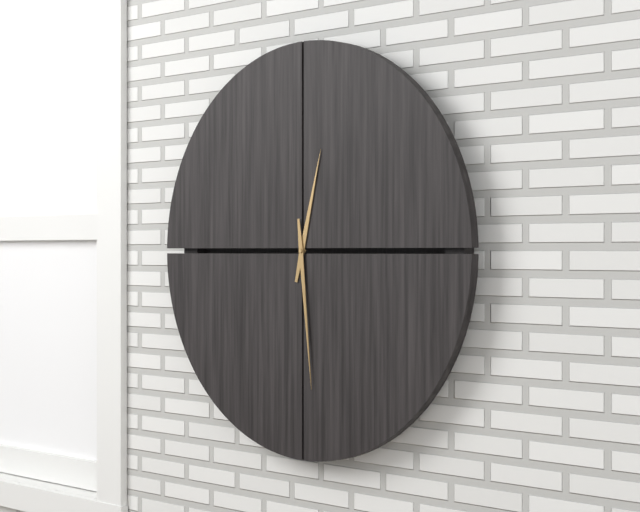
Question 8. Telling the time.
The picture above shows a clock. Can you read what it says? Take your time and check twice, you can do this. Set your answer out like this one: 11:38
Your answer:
12:29
